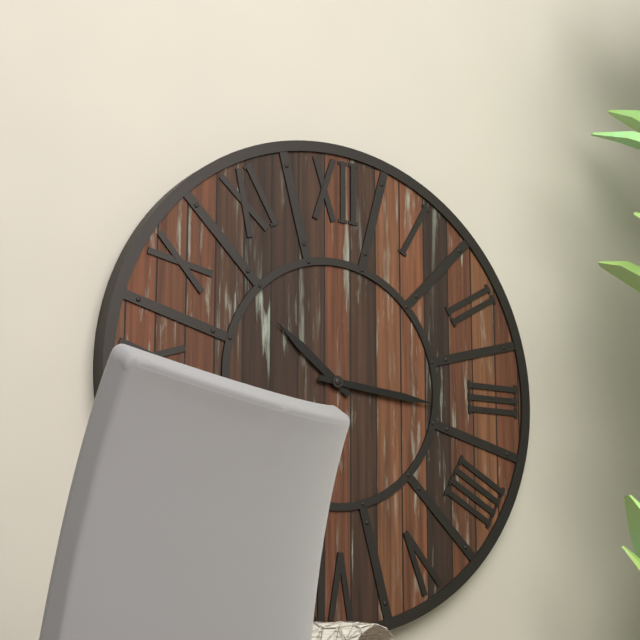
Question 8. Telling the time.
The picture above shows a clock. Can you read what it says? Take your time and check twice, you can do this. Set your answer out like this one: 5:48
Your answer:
10:16
